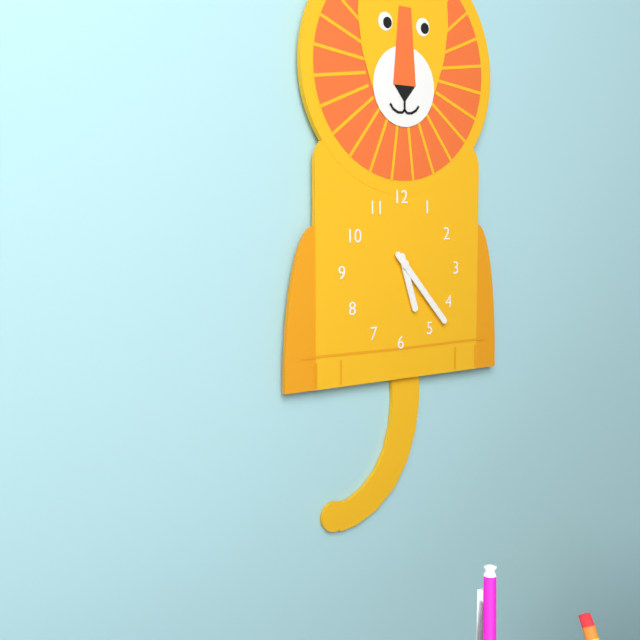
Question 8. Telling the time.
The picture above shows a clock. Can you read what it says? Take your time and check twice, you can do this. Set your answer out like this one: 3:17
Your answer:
5:23
